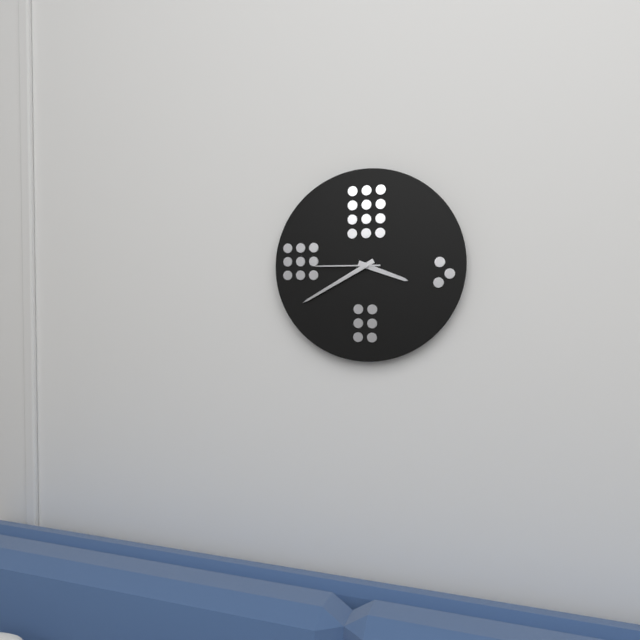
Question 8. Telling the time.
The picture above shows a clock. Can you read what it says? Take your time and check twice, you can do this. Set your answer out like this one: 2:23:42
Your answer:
3:40:45
